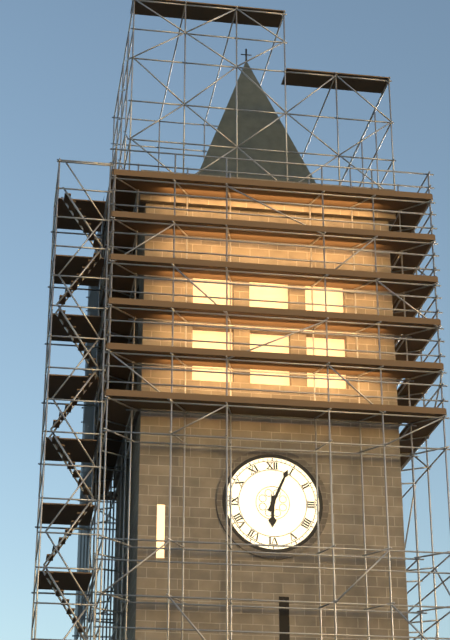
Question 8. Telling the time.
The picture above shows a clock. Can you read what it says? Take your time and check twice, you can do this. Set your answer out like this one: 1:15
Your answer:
6:04
